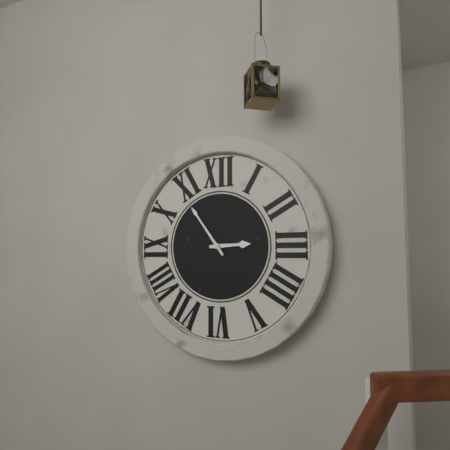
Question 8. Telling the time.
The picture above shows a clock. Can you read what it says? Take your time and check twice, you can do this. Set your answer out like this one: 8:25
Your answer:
2:54
